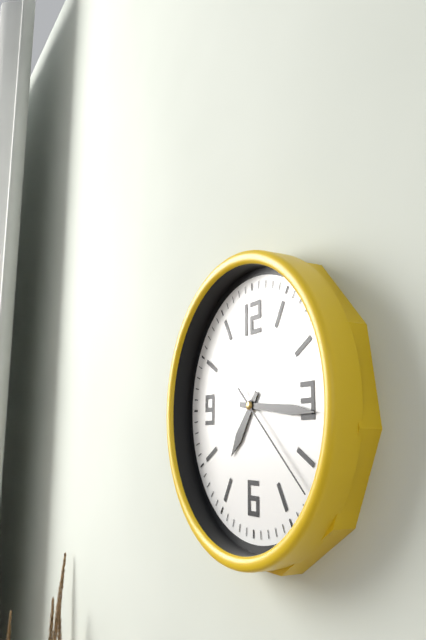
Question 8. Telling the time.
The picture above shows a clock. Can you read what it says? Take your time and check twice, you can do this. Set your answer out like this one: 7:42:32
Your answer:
7:16:22
